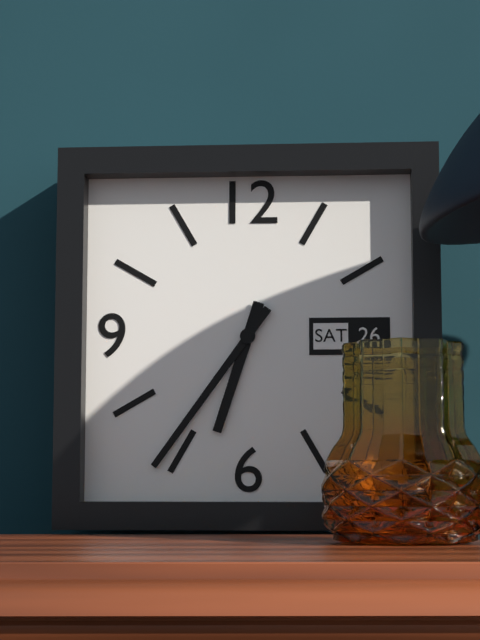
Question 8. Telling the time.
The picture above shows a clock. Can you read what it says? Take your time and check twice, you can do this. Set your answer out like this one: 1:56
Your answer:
6:36
